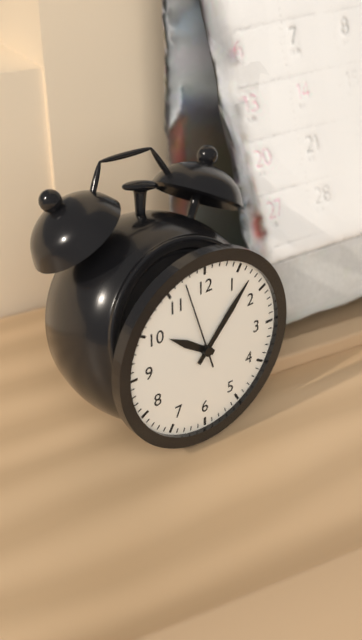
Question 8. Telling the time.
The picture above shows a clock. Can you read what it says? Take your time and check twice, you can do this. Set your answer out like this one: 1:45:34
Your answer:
10:07:57
